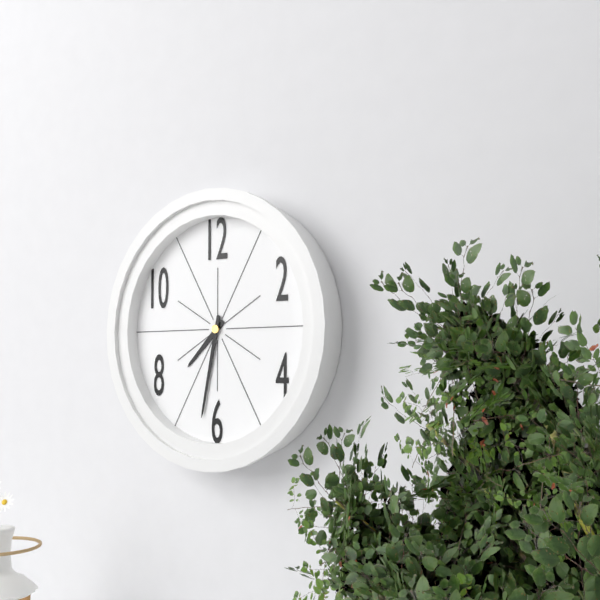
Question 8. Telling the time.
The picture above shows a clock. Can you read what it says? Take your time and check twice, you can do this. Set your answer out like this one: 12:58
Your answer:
7:32
